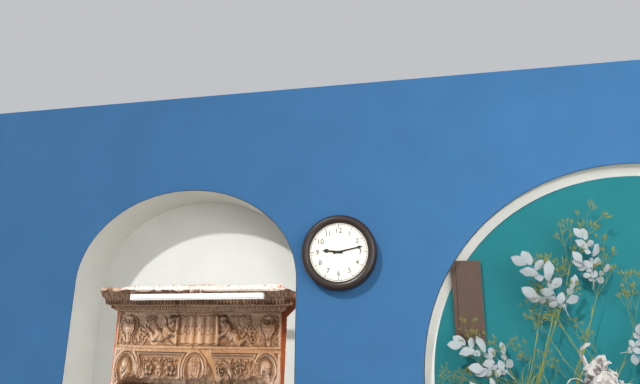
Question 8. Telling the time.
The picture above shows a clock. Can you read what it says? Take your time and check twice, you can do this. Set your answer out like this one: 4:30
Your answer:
9:13
